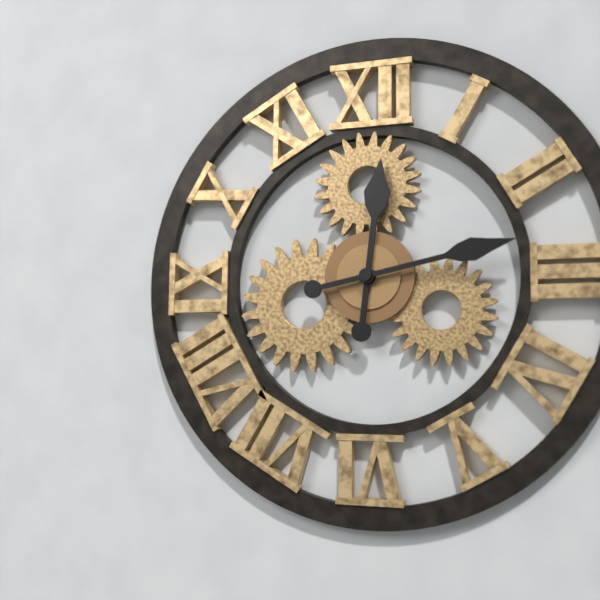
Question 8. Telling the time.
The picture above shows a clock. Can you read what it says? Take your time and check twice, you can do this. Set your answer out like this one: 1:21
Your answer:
12:13
